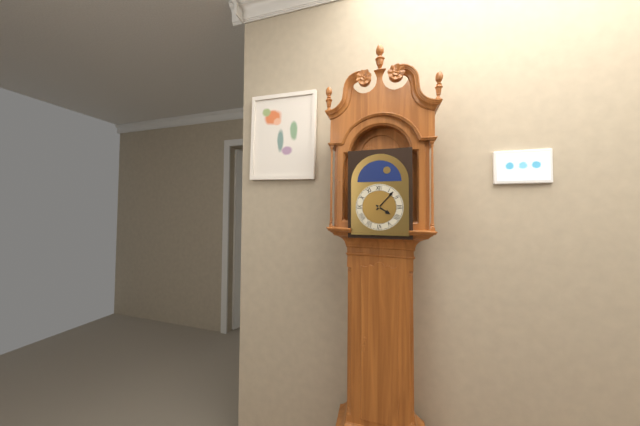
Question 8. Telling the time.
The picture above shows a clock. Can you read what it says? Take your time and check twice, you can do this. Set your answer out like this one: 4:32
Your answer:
4:07
